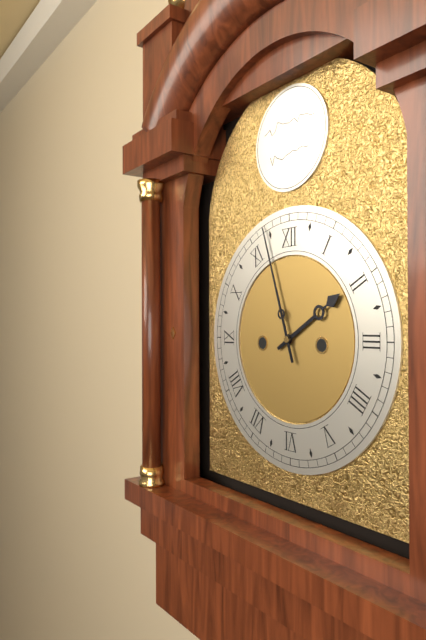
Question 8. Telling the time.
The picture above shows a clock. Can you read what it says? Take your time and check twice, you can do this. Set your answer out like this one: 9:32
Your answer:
1:57
